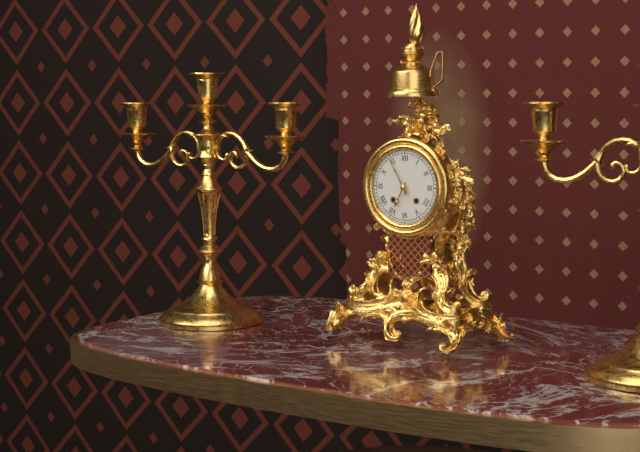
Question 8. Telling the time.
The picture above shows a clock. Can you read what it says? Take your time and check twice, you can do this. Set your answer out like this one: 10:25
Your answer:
6:55
